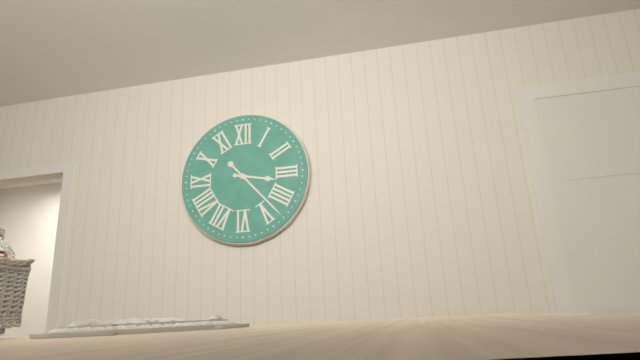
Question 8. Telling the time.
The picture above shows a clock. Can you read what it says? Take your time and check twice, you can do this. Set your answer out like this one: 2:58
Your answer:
3:23
